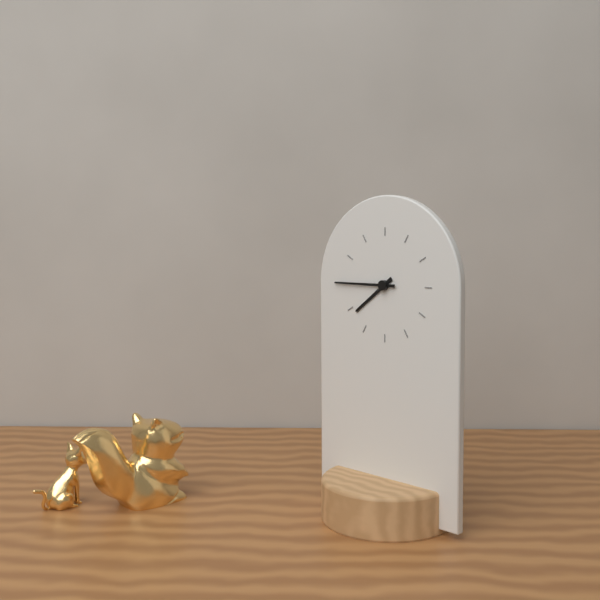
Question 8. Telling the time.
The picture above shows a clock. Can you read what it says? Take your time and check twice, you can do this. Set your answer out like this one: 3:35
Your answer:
7:45
